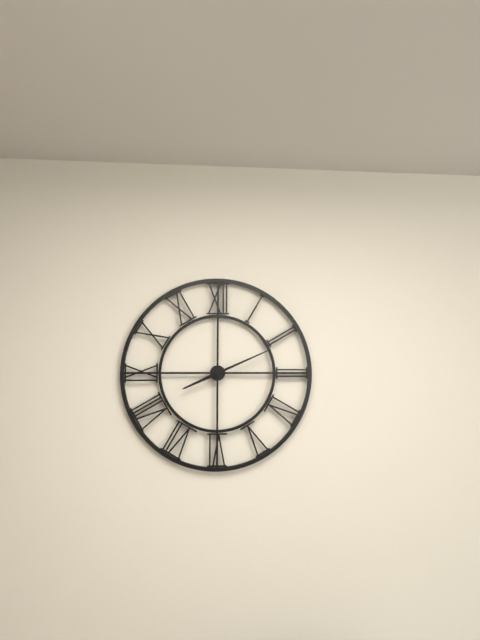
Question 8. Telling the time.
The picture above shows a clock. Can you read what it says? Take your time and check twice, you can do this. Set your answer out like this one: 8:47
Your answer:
8:11
